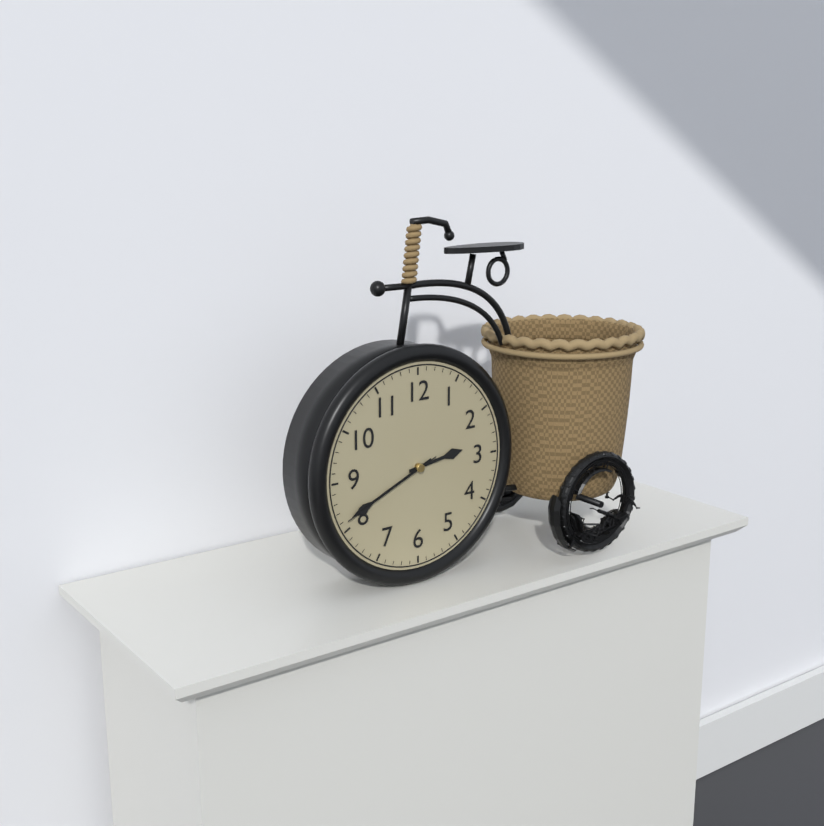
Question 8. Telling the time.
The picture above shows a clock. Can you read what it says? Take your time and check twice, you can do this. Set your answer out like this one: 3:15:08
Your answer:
2:41:41
